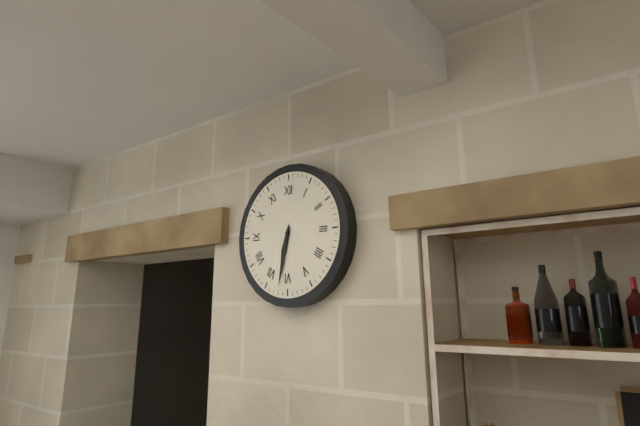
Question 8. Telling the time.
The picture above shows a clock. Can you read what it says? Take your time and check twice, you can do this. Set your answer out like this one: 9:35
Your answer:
6:32
